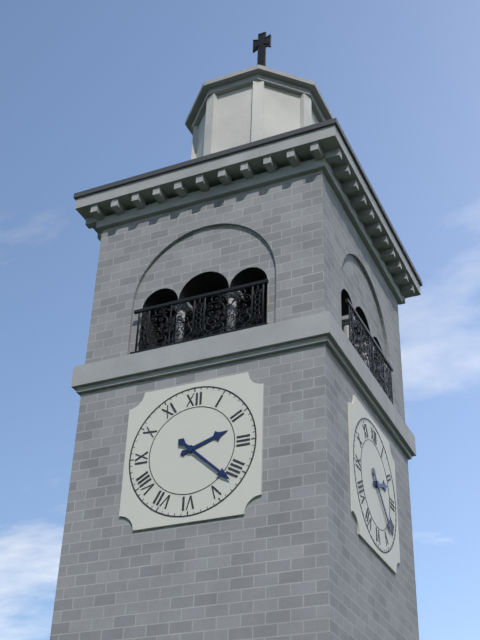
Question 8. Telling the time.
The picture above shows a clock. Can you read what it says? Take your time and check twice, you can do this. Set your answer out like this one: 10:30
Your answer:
2:22
